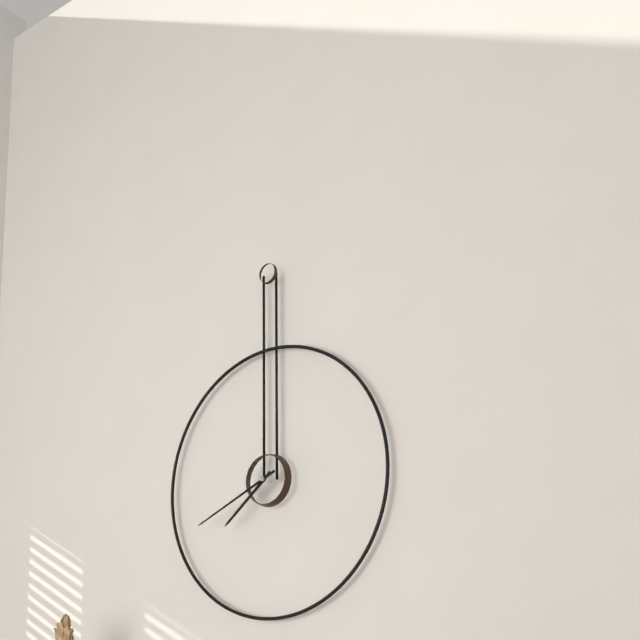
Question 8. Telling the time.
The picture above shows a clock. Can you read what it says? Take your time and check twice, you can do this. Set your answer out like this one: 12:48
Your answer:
7:41
